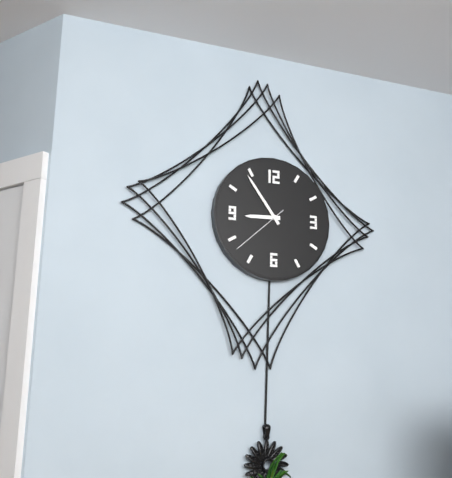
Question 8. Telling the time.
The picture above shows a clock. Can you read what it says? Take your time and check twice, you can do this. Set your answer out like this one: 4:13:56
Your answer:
8:54:38
